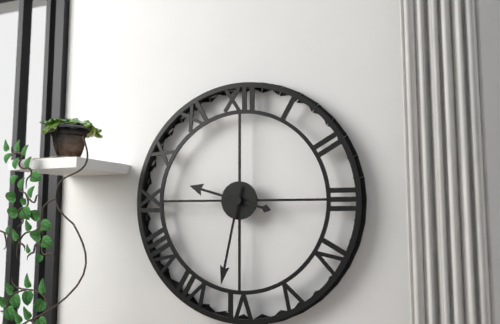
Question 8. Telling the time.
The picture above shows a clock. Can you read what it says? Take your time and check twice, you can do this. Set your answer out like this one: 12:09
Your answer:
9:32
